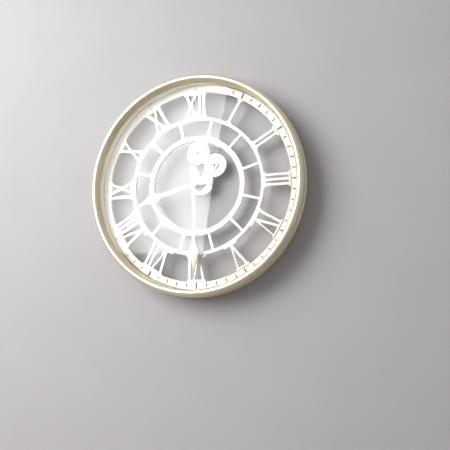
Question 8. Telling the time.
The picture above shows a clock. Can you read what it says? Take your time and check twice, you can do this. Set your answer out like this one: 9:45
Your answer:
8:30
